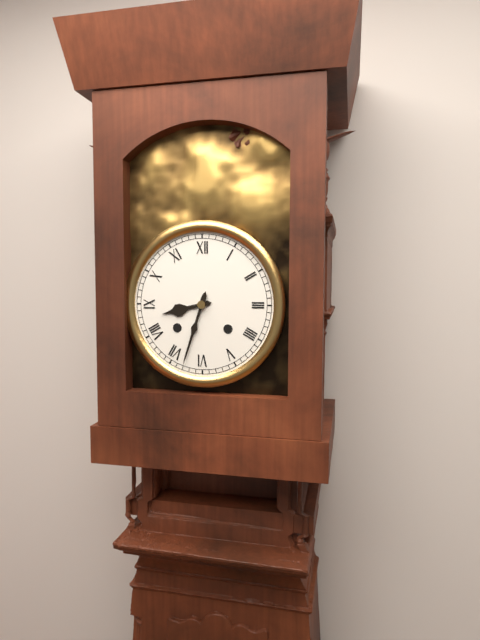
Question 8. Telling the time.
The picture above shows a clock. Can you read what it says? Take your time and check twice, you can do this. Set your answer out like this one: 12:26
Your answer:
8:33
